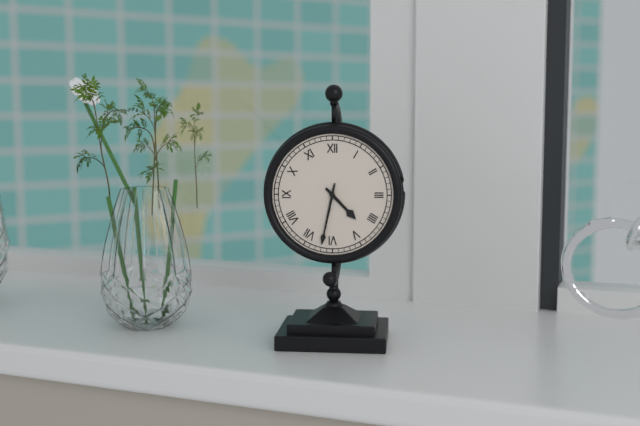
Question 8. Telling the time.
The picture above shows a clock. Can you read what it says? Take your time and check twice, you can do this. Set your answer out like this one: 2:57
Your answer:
4:32
